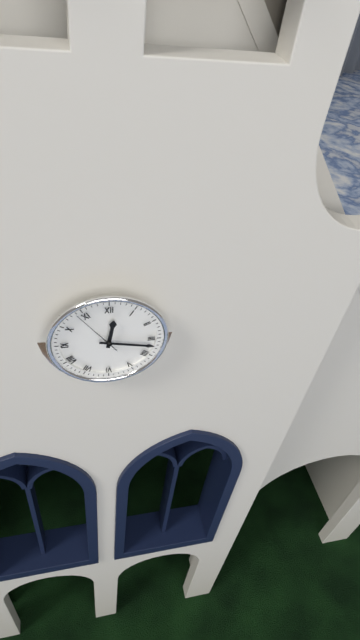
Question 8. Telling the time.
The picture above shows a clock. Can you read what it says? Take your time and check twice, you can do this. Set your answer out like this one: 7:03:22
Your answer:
12:17:54
